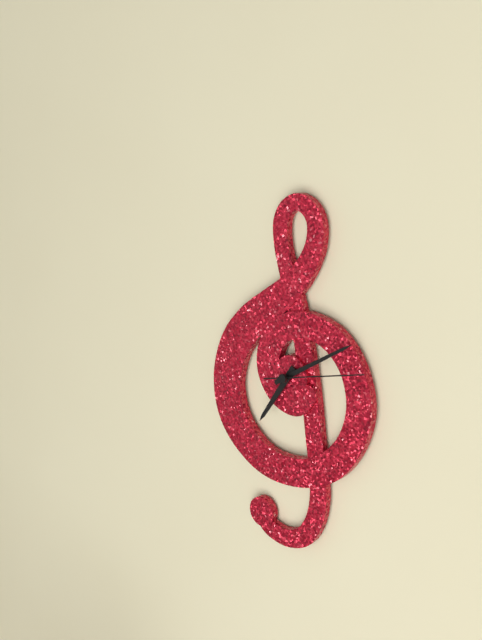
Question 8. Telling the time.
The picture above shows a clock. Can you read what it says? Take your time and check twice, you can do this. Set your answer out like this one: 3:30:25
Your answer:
7:10:13
